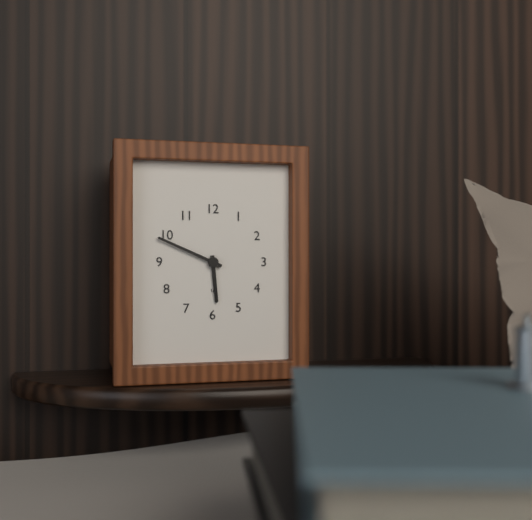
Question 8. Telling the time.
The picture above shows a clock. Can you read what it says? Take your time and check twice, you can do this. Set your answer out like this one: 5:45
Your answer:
5:49
